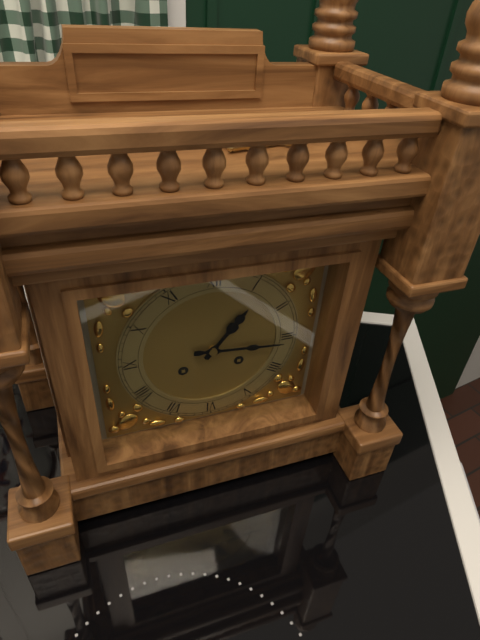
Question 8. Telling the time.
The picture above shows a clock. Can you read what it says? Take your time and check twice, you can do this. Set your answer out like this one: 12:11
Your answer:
1:16
